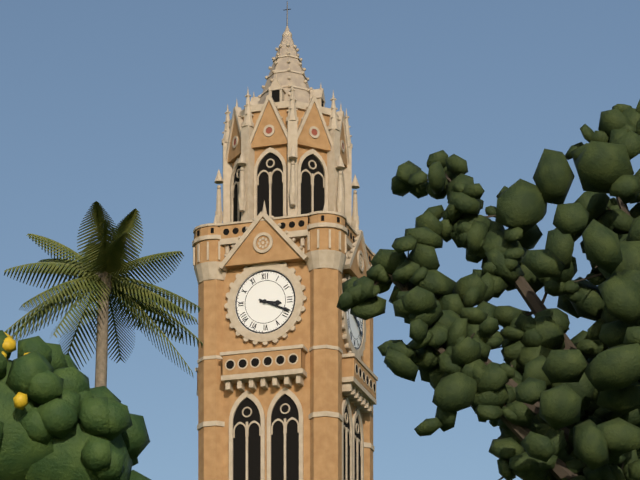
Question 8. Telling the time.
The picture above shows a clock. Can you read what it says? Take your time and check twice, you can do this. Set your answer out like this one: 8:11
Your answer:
3:19
